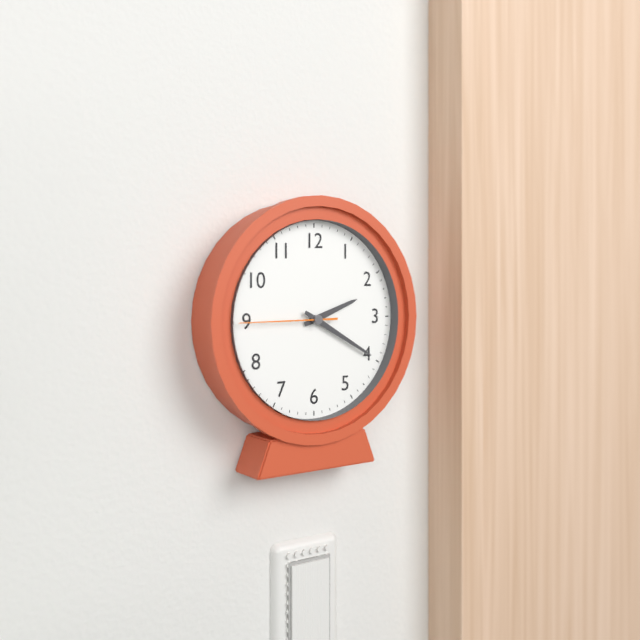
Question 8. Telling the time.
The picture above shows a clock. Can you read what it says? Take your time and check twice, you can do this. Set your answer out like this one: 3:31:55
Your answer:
2:20:45
